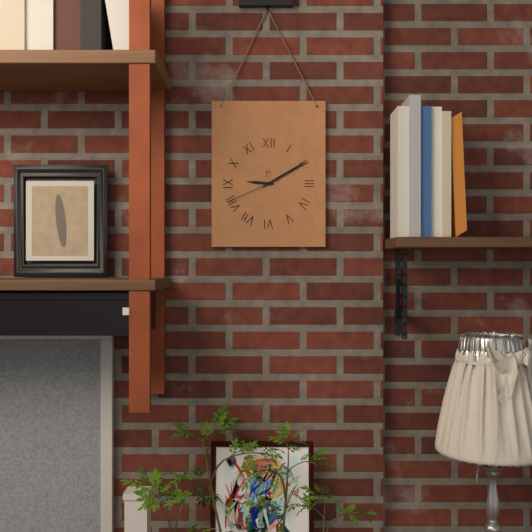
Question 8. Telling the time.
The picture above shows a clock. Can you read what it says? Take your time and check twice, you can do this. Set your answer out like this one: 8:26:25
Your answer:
9:10:41
